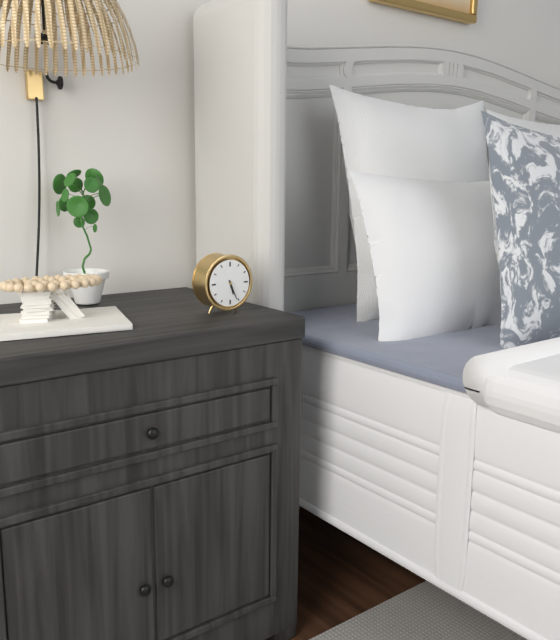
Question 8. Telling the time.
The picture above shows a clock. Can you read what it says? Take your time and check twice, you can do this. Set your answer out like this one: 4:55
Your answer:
5:26
